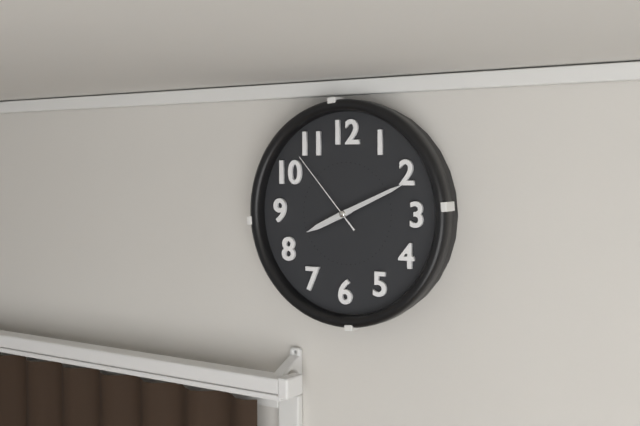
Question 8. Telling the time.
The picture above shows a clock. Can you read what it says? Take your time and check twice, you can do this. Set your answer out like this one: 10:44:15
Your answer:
8:11:53
